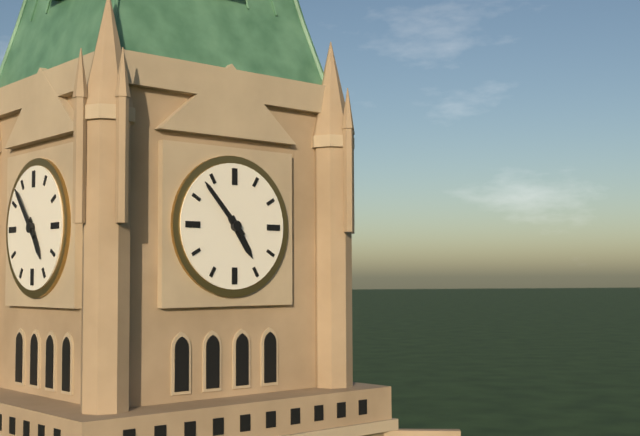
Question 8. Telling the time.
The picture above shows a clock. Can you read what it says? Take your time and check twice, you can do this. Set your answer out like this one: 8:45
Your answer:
4:53
